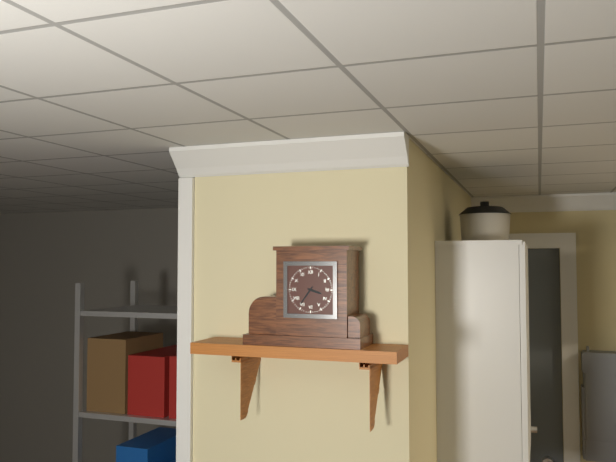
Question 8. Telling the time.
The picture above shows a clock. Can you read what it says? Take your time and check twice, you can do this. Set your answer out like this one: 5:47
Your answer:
3:36
